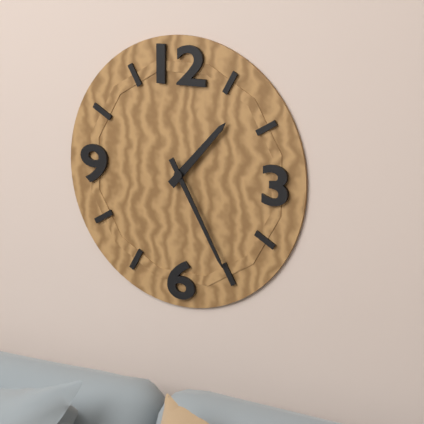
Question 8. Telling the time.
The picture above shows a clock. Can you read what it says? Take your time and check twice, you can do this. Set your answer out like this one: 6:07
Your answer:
1:25
